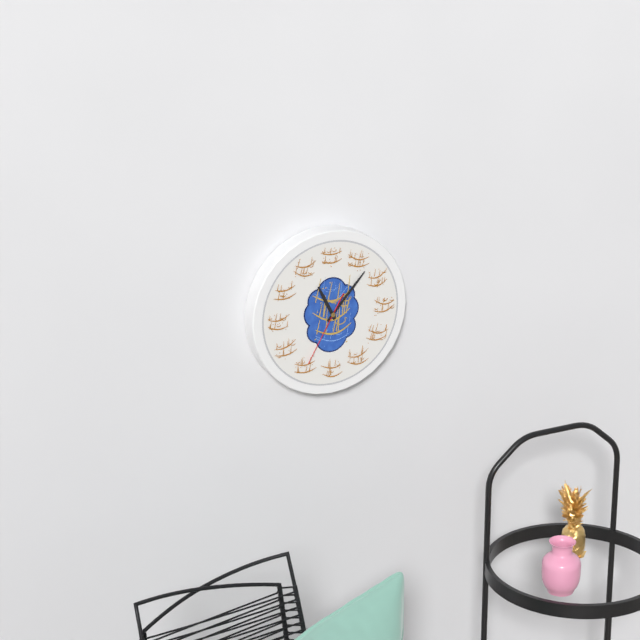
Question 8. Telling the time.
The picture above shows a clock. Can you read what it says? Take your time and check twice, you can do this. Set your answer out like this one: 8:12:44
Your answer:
11:07:35
